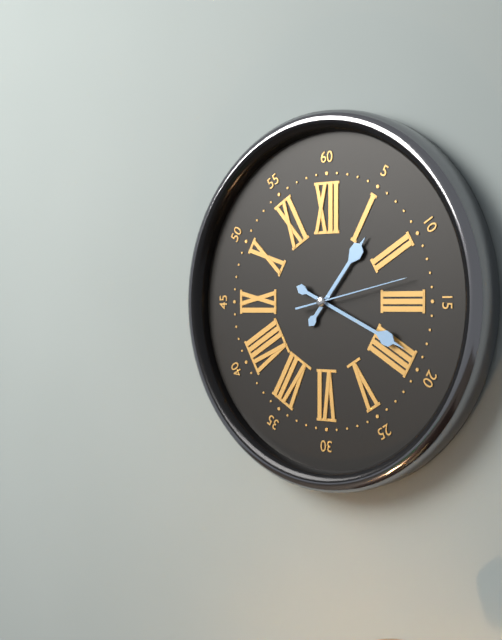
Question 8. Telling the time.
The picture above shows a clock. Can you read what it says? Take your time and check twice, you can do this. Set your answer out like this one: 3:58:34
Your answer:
1:19:13
